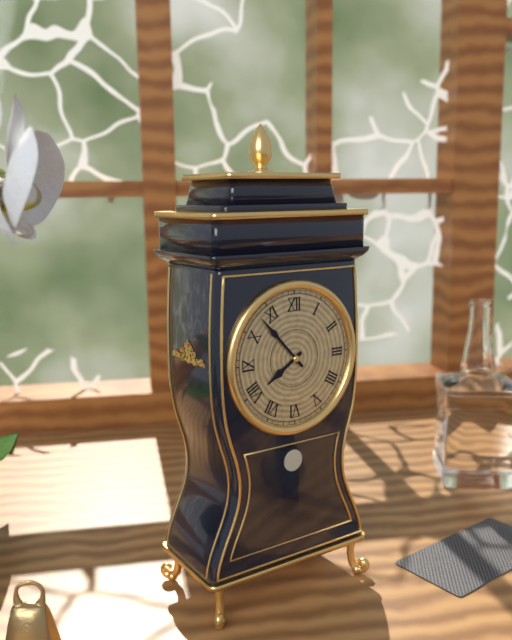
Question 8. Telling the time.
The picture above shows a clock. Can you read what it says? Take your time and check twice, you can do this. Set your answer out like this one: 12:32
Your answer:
7:53
